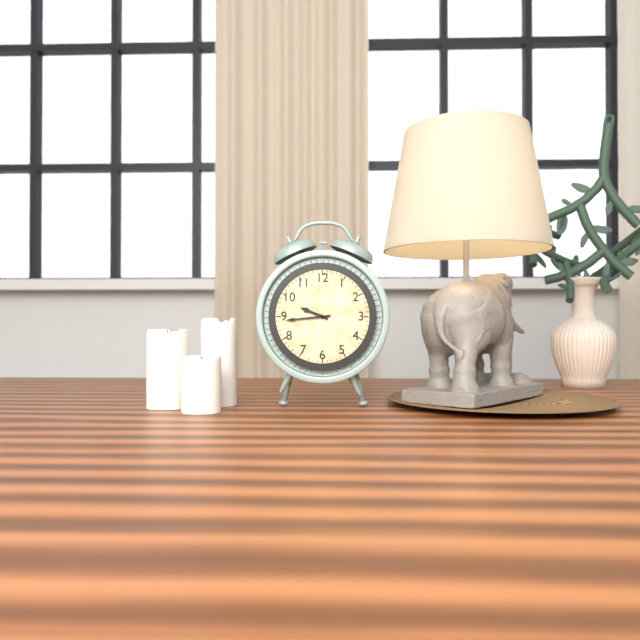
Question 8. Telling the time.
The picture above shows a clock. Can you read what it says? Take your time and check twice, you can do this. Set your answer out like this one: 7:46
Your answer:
9:44
